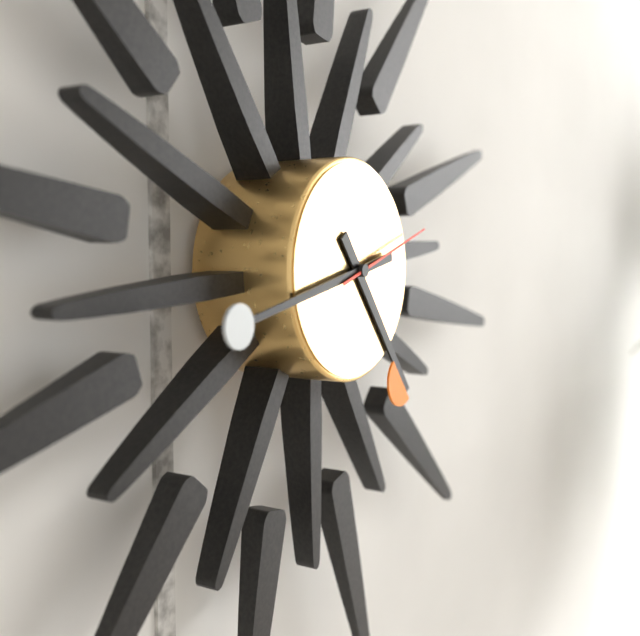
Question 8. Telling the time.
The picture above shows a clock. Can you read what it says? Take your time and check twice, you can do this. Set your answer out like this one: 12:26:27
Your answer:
4:43:12
